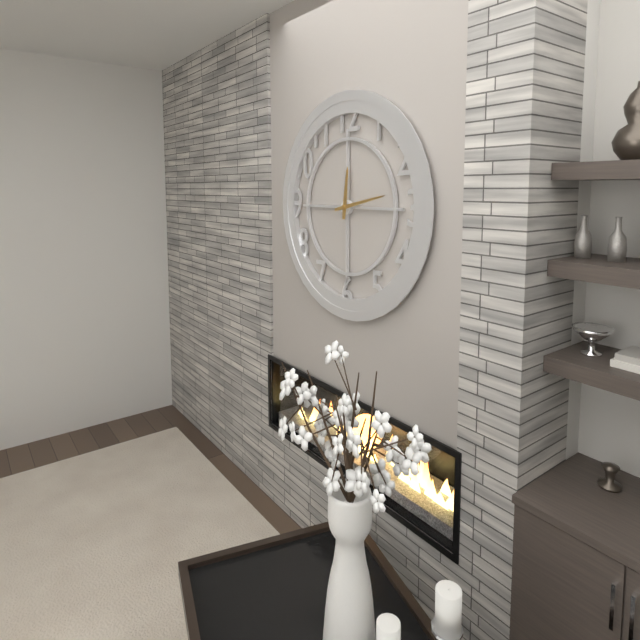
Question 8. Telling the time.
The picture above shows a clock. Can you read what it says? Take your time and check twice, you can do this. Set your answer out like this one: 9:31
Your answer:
12:13
